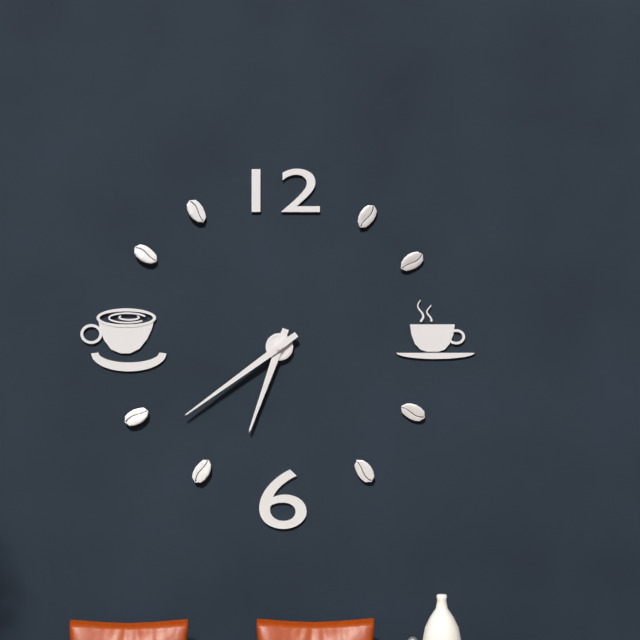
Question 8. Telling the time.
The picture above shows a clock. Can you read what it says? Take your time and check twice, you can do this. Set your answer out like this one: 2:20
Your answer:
6:39
